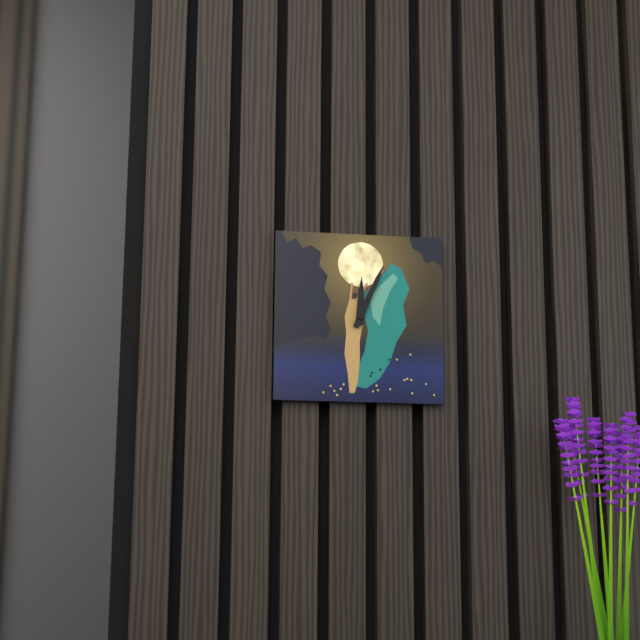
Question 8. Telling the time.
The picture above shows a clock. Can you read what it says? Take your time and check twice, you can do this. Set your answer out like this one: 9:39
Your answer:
12:04
